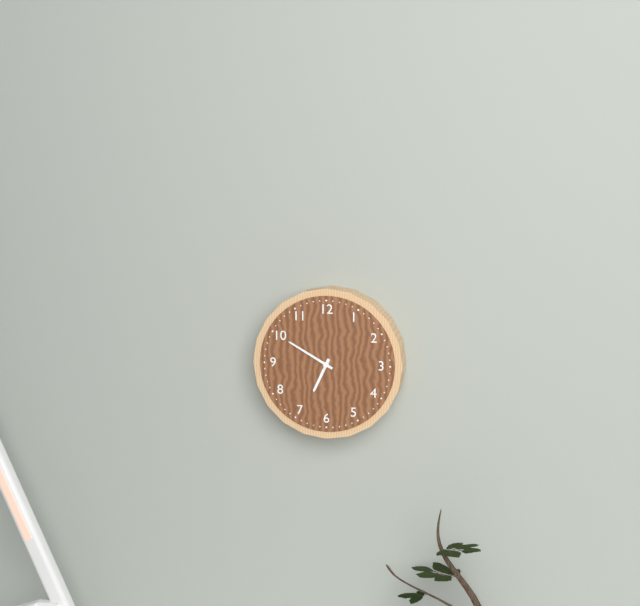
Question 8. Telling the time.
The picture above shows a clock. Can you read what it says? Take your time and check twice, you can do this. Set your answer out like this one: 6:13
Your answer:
6:50
